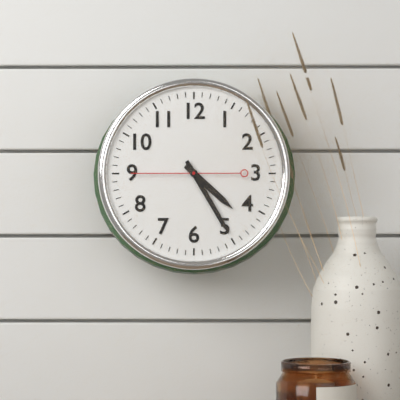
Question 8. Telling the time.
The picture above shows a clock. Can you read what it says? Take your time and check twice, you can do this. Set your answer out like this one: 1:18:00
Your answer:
4:25:45
